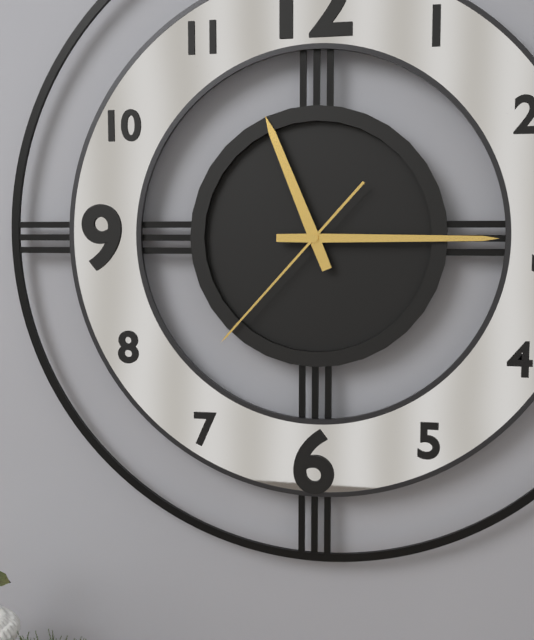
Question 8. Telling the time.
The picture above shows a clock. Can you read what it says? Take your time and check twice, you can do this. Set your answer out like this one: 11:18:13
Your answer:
11:15:37
